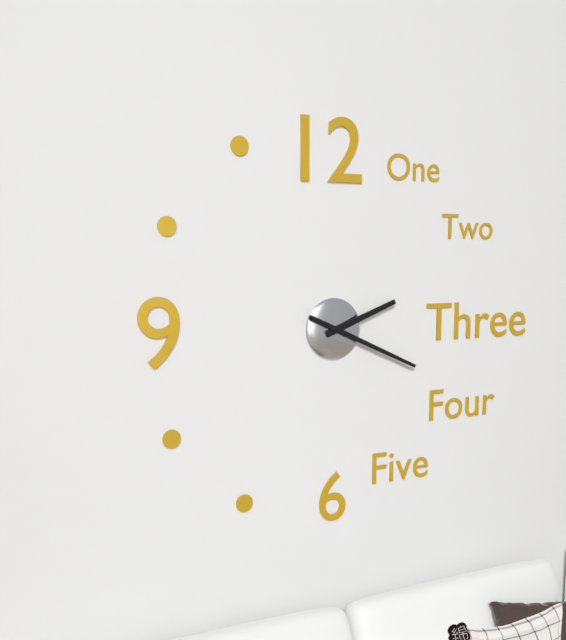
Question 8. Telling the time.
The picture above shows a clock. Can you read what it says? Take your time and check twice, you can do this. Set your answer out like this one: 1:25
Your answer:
2:19
